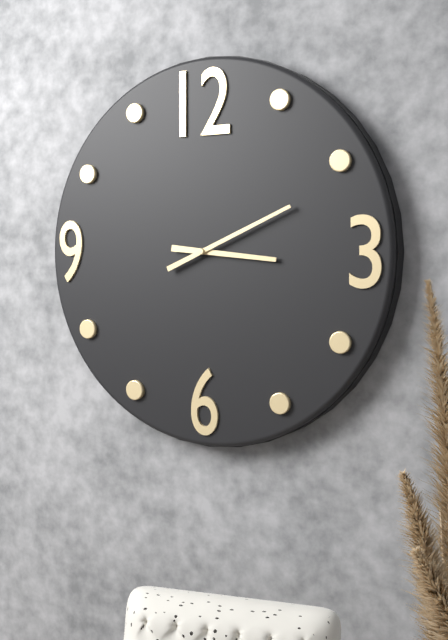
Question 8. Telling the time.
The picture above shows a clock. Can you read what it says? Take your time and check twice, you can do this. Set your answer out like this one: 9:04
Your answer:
3:11
